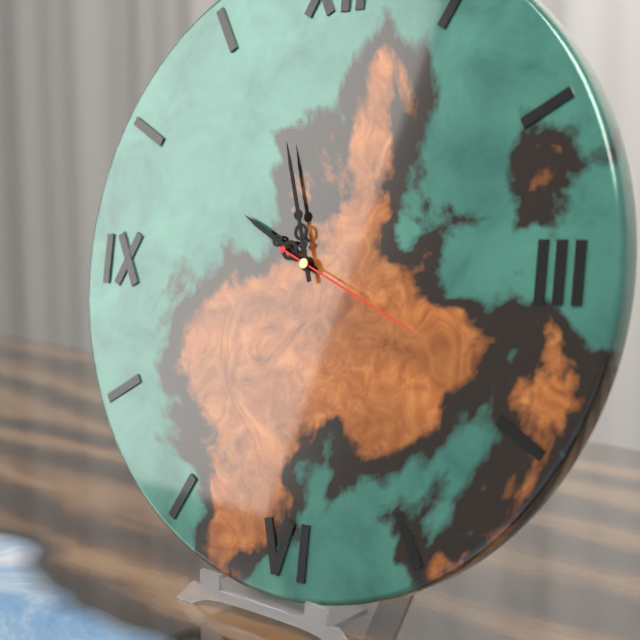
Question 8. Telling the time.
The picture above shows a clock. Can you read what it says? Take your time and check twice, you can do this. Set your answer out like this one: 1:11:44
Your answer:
9:57:19
